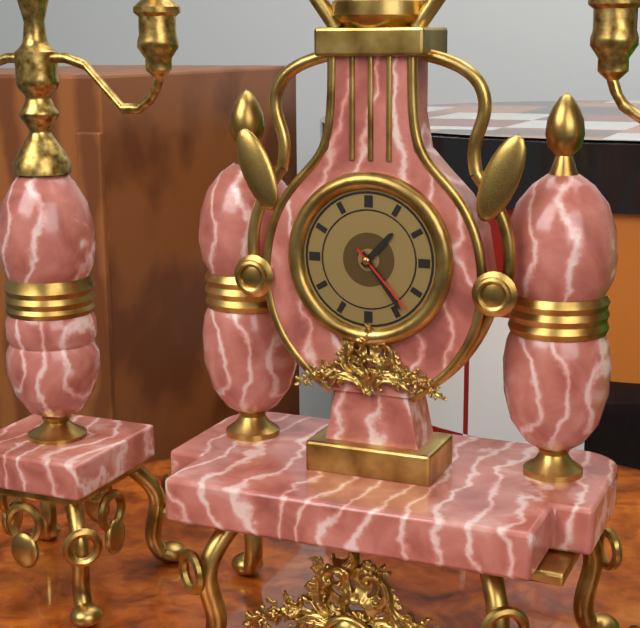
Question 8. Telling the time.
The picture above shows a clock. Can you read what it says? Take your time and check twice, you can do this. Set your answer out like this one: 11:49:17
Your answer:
1:24:23
